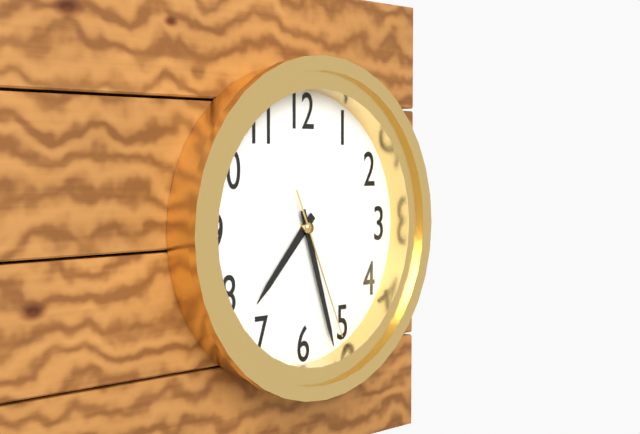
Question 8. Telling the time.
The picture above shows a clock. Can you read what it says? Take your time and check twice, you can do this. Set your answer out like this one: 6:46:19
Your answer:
7:27:26
